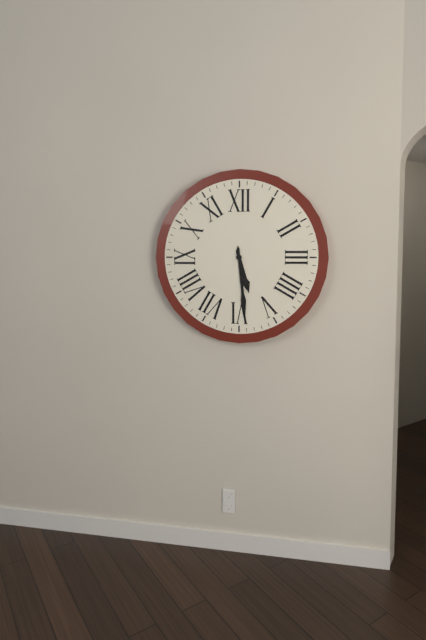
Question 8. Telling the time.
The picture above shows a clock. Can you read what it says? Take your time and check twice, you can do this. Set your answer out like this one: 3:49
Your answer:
5:29
